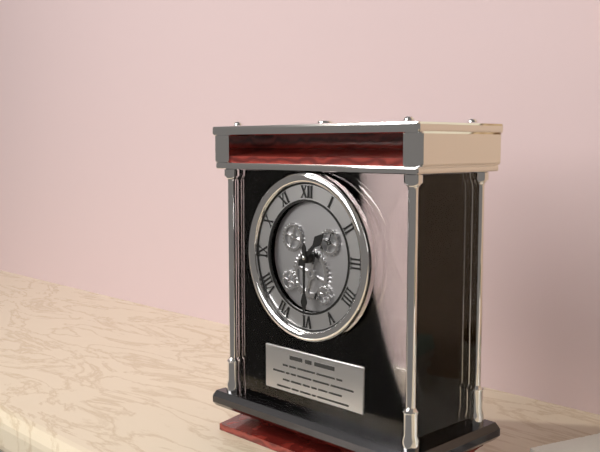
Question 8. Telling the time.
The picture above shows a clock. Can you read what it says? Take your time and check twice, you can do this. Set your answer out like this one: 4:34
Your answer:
1:30
